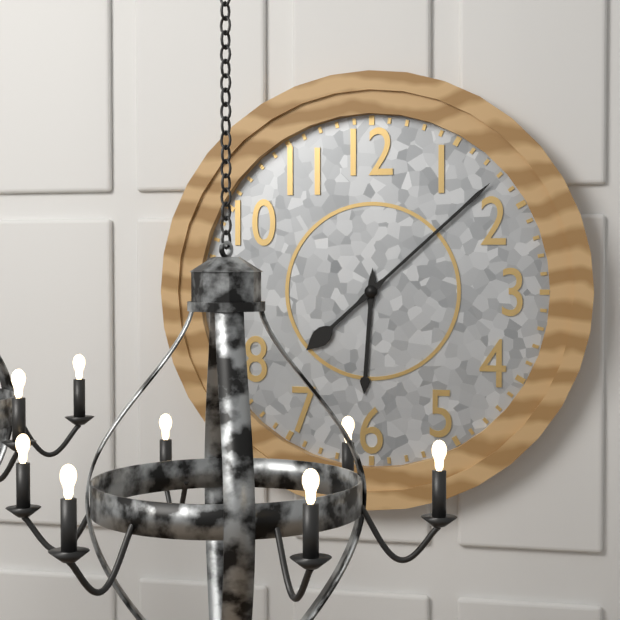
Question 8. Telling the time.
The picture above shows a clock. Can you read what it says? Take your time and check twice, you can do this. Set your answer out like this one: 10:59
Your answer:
6:08
